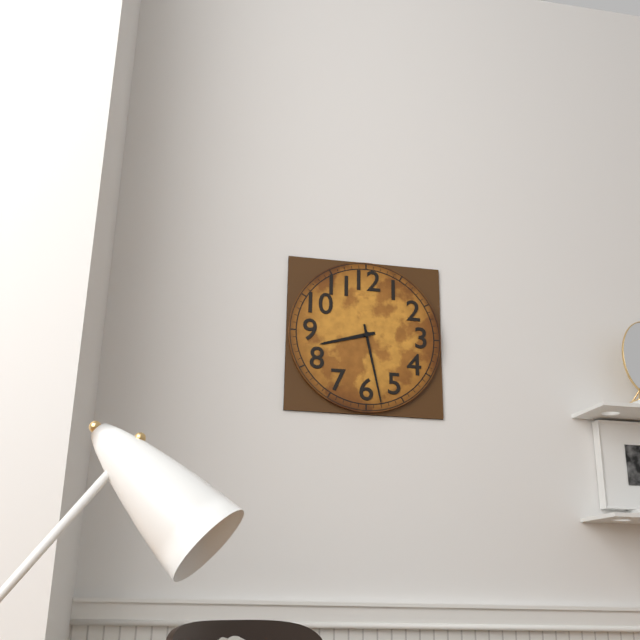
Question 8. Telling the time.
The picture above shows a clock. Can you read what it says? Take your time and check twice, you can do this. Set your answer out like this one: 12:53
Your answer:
8:28
